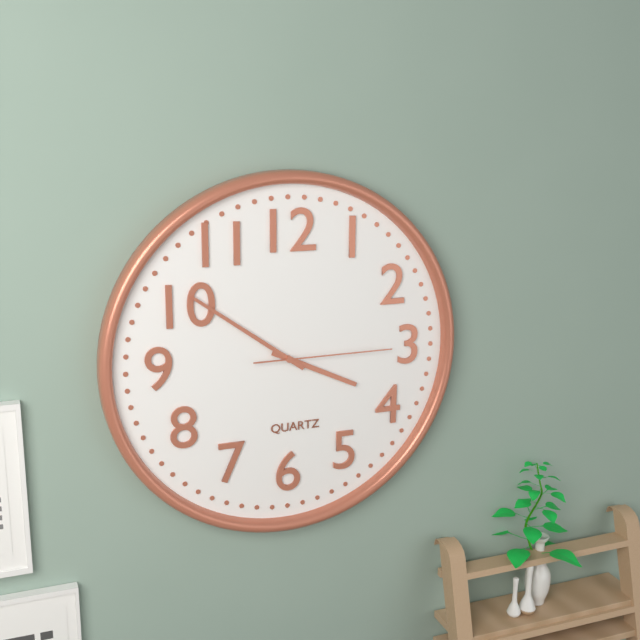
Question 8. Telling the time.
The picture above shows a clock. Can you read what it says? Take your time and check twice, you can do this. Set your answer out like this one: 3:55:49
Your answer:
3:51:15
